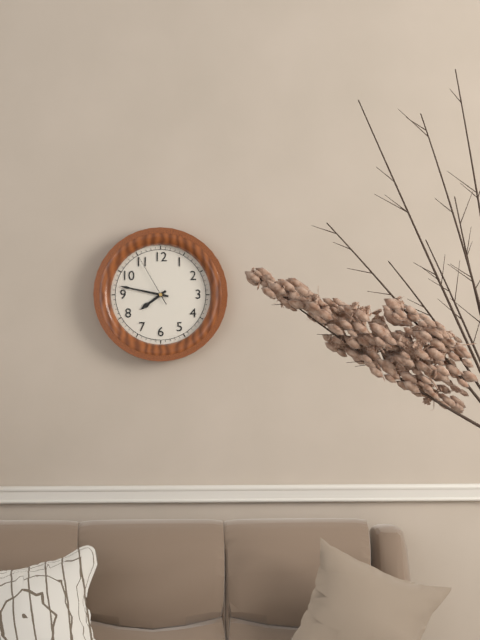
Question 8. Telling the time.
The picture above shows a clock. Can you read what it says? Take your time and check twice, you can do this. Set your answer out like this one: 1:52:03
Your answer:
7:47:55
